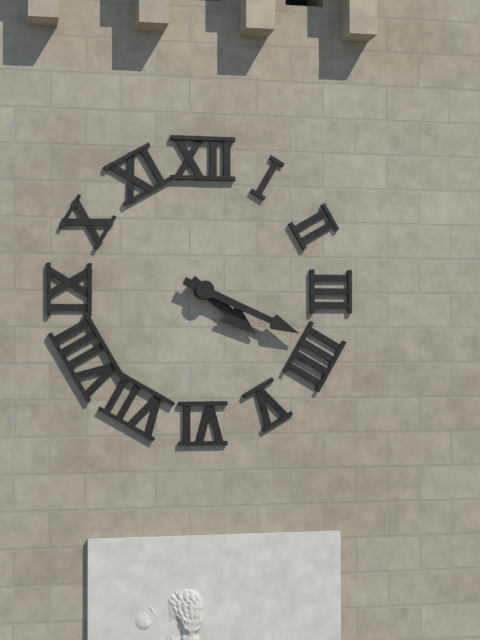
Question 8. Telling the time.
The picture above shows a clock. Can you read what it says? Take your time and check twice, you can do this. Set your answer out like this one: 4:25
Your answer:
4:19
